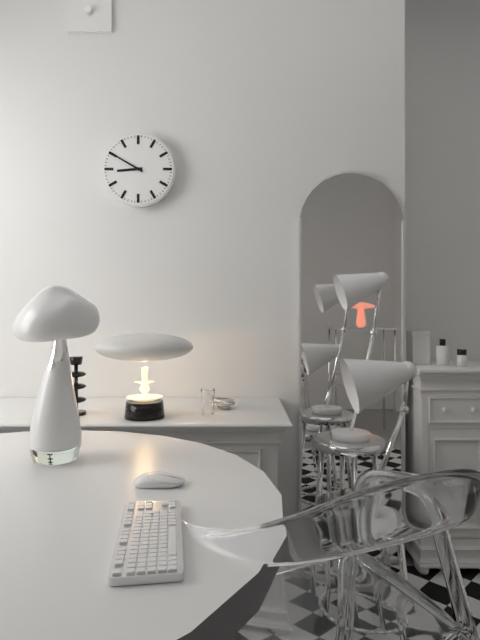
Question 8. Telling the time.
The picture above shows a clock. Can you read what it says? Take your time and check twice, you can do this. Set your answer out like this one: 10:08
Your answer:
8:50
